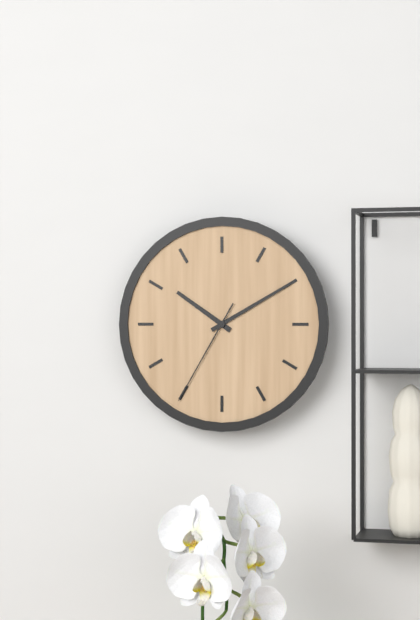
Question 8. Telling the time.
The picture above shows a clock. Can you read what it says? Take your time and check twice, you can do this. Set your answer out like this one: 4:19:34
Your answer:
10:10:35
